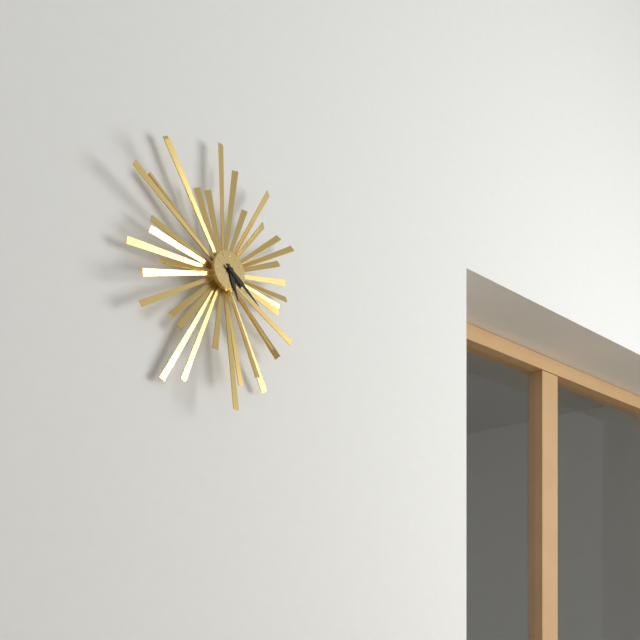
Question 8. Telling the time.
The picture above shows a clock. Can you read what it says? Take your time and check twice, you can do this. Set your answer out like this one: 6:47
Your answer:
5:21
